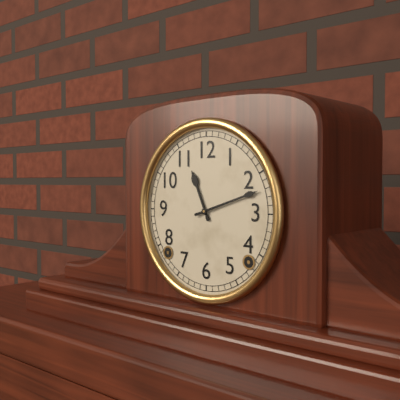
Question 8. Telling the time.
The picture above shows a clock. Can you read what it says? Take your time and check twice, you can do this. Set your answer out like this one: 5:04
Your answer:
11:12
